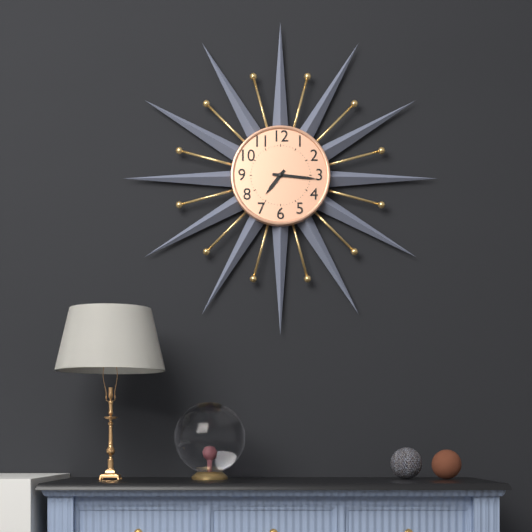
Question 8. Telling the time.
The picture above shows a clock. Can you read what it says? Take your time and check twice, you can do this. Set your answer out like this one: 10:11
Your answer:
7:16
